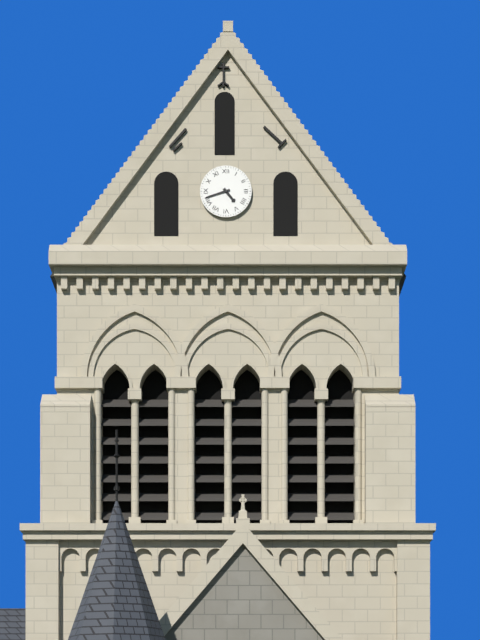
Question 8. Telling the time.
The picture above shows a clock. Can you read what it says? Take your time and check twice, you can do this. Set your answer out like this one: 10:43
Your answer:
4:42
